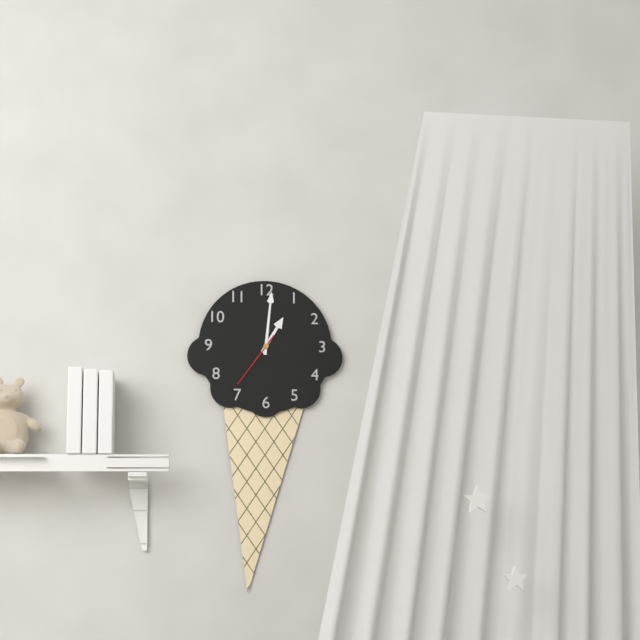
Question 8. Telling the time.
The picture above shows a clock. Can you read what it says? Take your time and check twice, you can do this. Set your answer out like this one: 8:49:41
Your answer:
1:01:36
